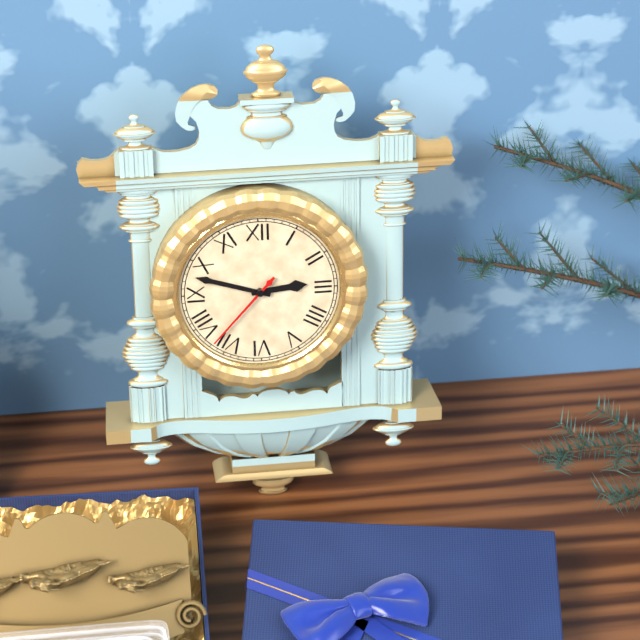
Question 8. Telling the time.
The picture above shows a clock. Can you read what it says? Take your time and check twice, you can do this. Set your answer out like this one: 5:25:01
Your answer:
2:48:37
